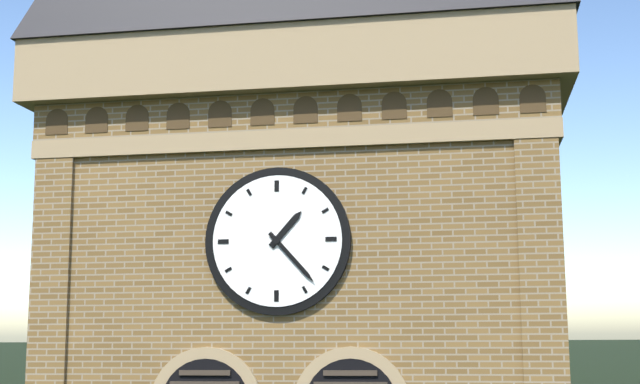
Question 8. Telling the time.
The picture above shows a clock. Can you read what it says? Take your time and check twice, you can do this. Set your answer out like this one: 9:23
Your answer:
1:23
